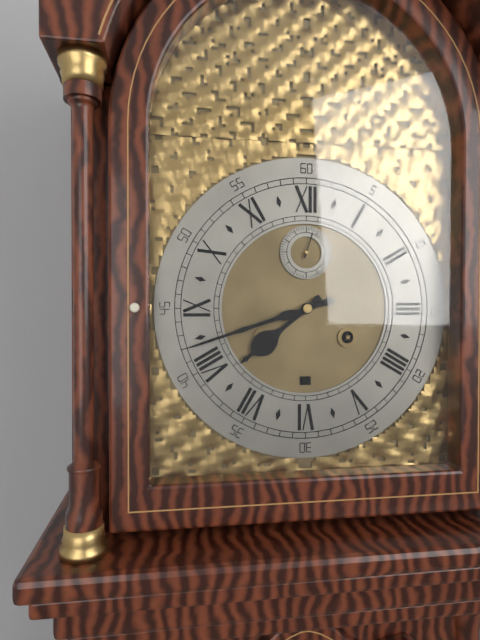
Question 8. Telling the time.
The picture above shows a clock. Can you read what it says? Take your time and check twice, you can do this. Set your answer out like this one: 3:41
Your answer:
7:42
